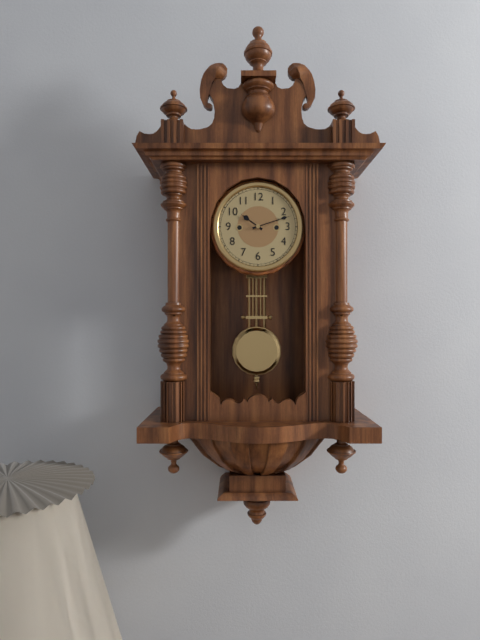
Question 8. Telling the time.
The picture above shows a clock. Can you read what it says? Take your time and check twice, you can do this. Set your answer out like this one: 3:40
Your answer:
10:12
